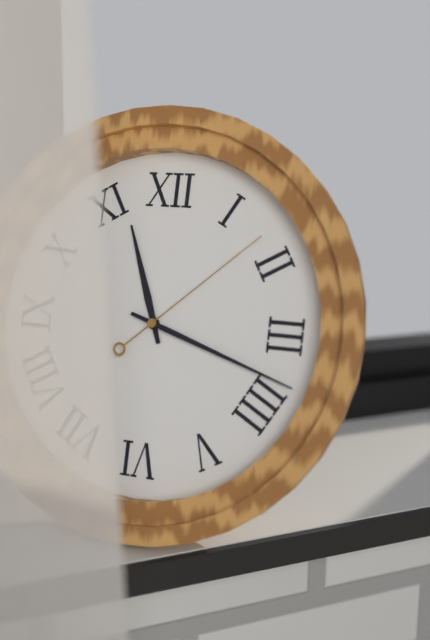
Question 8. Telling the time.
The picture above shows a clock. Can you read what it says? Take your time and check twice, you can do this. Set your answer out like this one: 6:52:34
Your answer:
11:18:08
